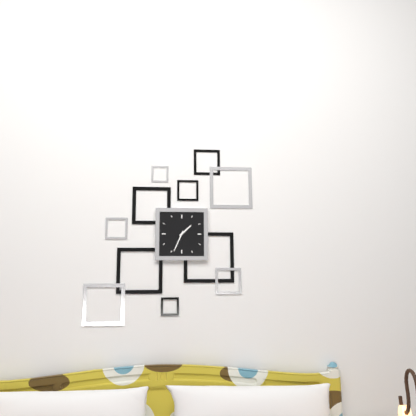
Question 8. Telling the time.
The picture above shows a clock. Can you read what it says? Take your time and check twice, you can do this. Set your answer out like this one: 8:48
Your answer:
1:34
